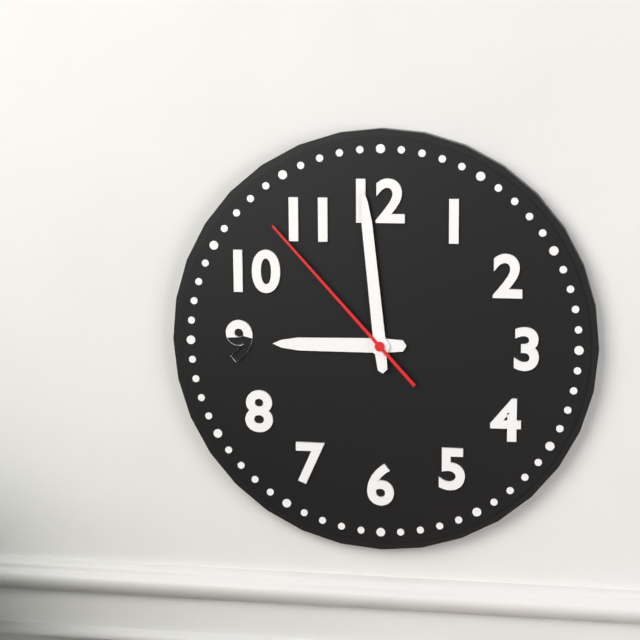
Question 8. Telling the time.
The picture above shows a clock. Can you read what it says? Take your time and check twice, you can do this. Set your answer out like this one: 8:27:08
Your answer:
8:59:53
